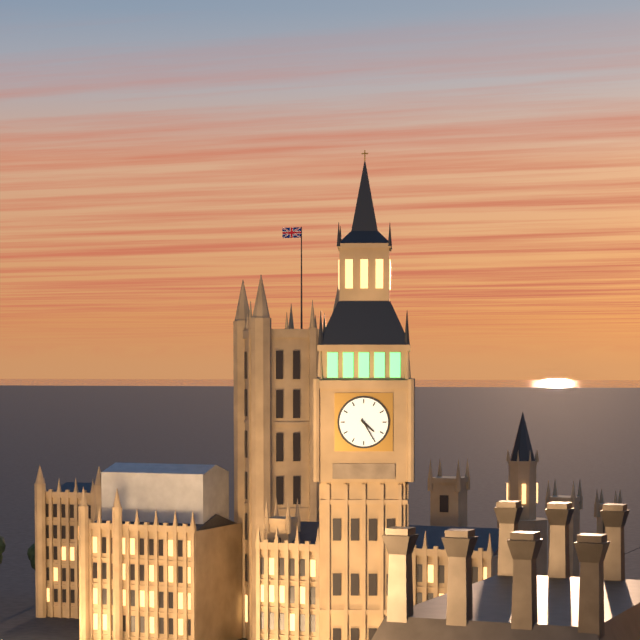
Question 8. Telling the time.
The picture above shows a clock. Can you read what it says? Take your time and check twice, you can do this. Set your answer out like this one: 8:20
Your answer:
4:25
